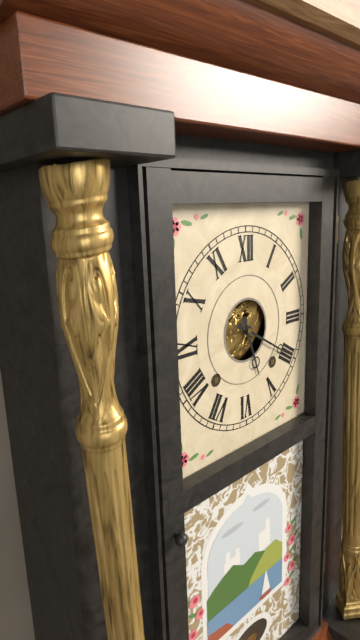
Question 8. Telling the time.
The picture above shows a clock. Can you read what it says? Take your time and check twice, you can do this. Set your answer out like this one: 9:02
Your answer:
5:20
